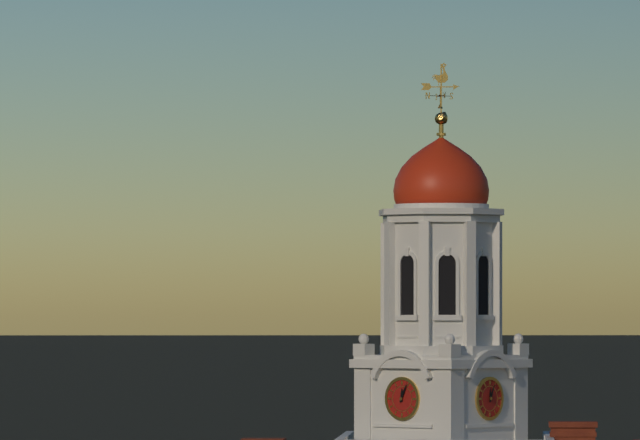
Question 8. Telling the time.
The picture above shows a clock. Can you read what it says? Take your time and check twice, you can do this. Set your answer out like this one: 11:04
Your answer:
12:04
